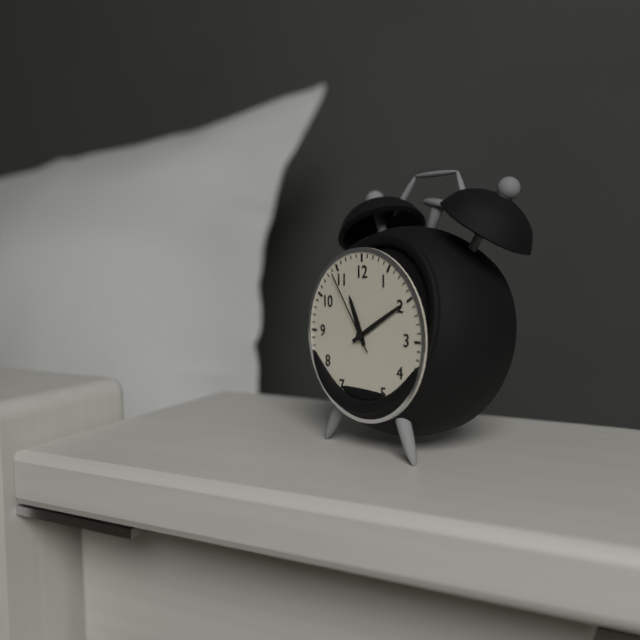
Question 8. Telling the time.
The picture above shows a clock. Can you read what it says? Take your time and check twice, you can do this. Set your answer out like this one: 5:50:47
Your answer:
11:10:54
